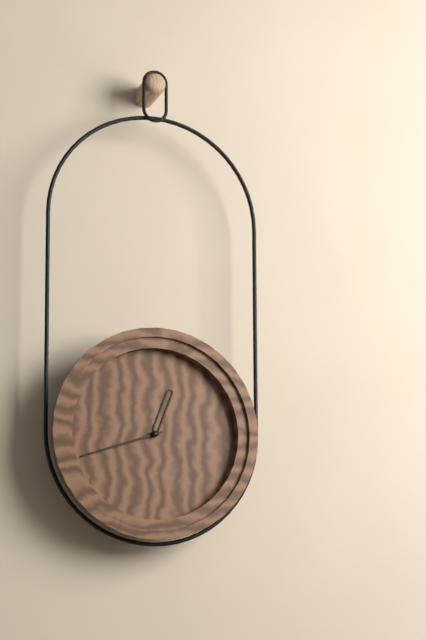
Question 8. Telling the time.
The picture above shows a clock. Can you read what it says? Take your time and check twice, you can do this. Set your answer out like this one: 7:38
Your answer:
12:42
